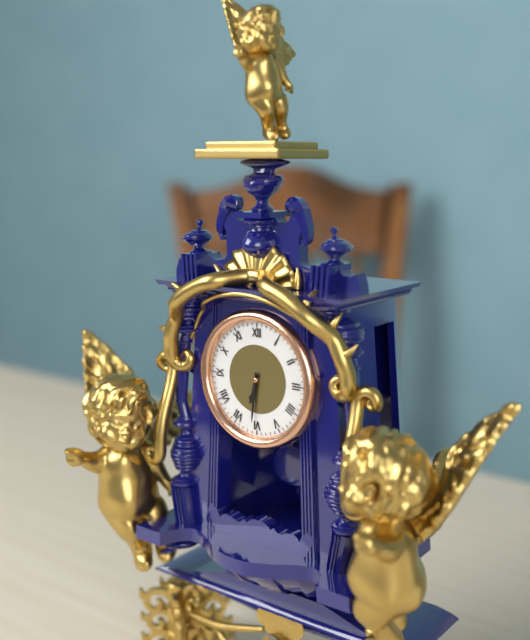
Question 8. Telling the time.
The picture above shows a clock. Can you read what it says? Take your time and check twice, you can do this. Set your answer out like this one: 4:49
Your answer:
6:31
